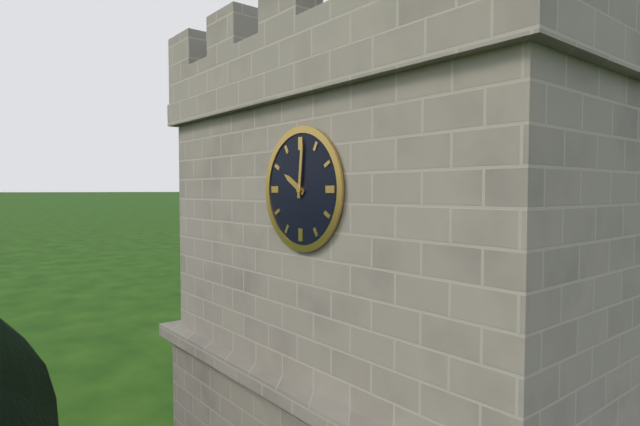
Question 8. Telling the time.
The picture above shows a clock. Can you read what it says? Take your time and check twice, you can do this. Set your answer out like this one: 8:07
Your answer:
10:01
